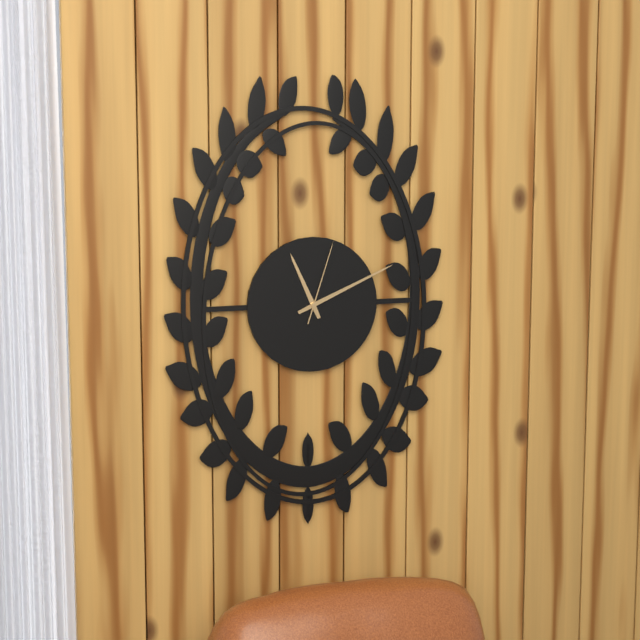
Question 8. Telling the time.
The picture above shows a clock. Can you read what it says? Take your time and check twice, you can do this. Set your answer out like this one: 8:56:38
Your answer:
11:11:03
